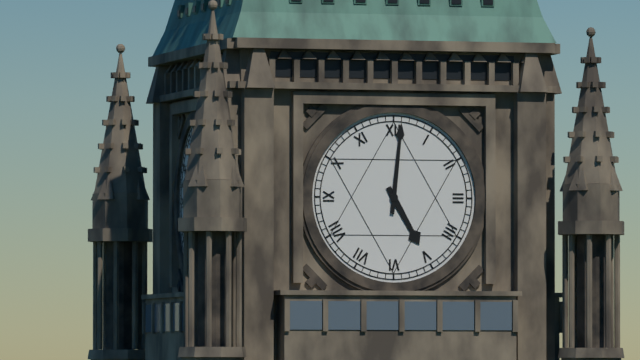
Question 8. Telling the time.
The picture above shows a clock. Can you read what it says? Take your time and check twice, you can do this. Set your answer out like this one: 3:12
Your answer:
5:01
